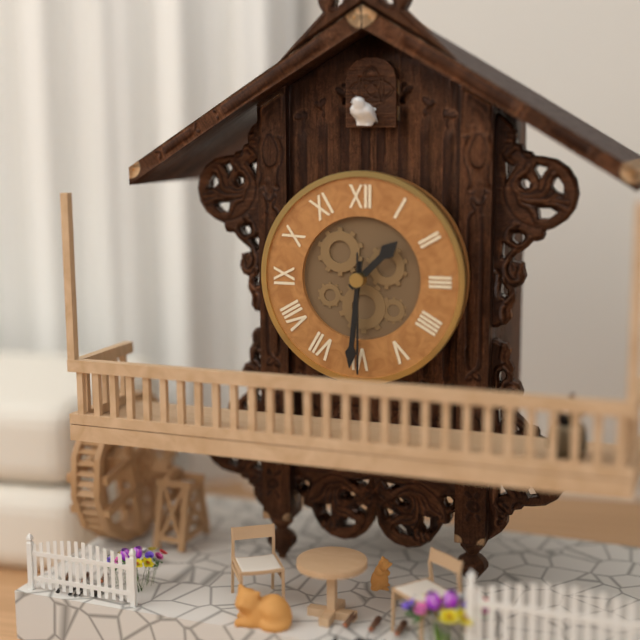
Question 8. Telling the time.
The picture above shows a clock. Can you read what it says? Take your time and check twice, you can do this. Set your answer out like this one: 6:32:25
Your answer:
1:31:30
